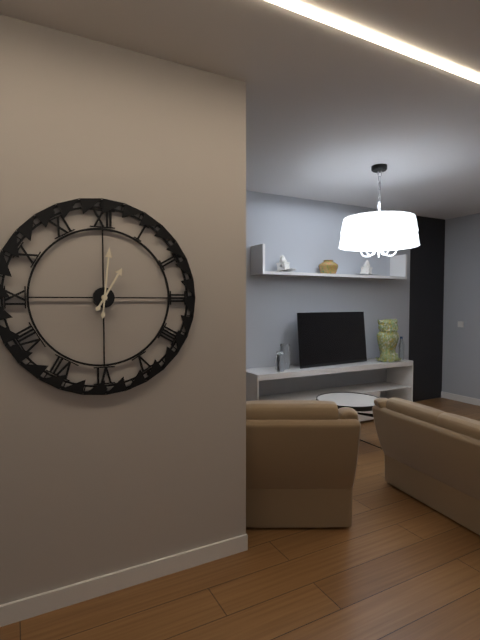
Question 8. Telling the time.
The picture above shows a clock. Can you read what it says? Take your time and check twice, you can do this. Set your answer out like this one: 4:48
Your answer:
1:01
